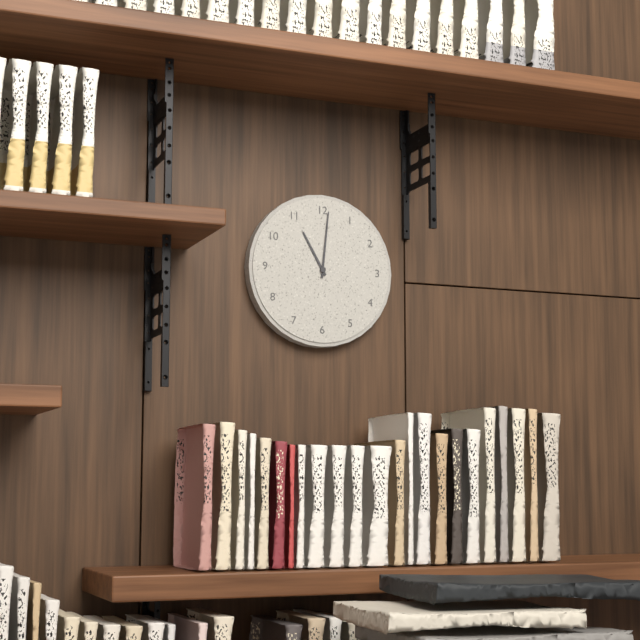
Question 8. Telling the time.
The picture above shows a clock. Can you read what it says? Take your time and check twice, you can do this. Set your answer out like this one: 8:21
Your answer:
11:01
